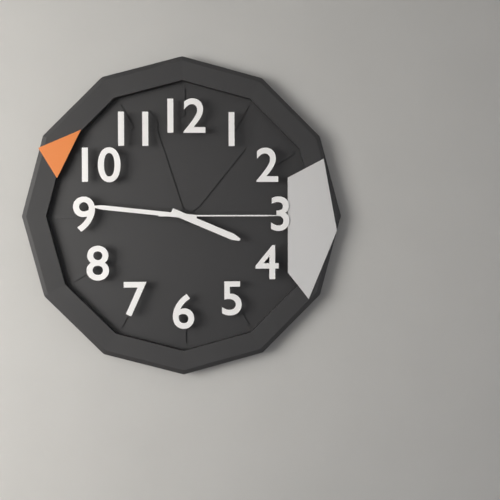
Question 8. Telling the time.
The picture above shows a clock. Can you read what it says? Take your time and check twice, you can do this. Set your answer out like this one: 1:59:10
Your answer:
3:46:15
